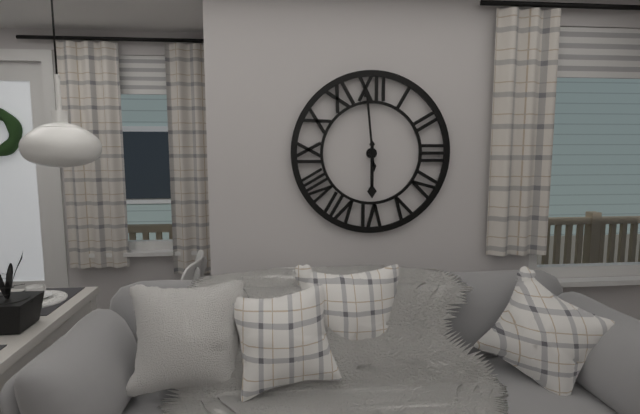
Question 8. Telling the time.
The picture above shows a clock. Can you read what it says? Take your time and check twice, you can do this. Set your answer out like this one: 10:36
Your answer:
5:59
